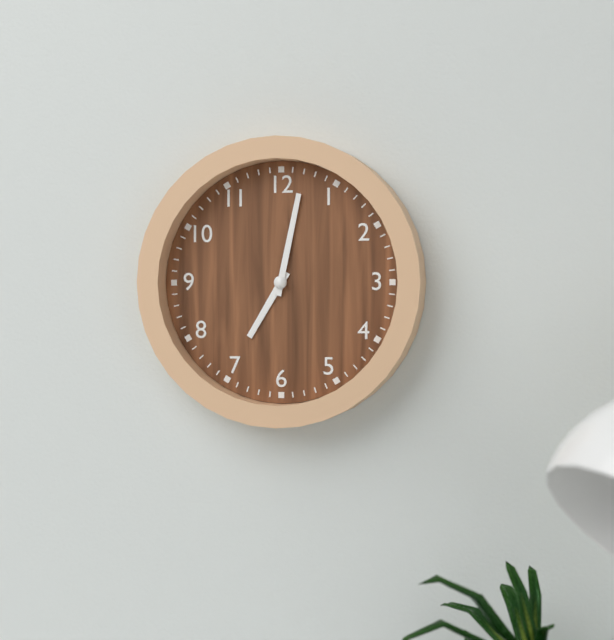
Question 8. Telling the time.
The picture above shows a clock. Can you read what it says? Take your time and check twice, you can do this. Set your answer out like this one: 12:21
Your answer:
7:02
